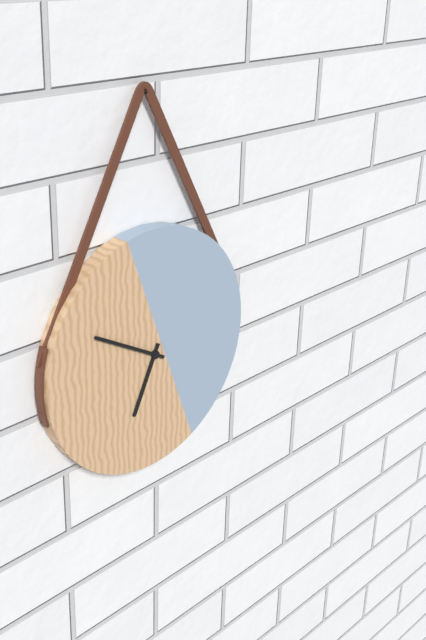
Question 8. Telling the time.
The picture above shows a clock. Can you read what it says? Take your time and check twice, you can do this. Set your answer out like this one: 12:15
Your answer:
6:50
